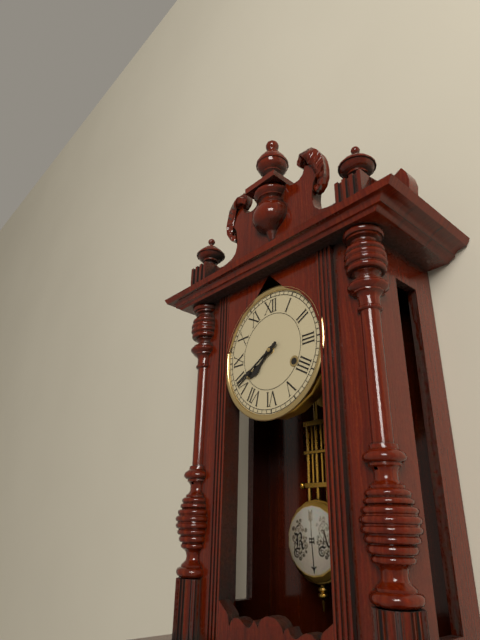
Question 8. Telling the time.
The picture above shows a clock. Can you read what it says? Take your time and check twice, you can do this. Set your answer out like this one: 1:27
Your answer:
7:40
